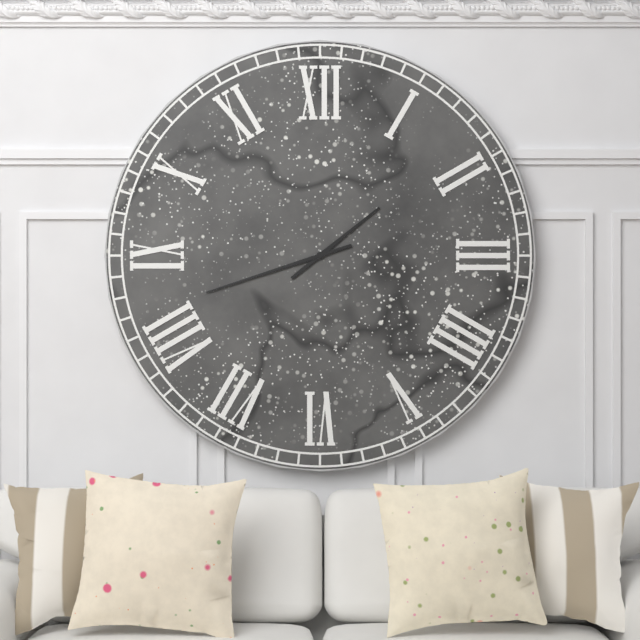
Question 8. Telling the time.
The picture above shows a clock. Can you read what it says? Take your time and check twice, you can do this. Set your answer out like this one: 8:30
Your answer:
1:42
